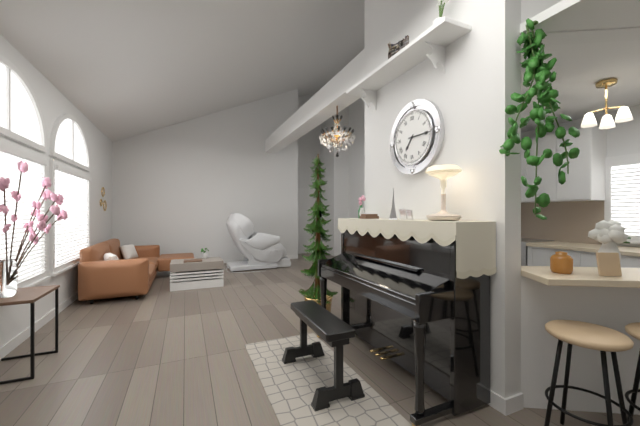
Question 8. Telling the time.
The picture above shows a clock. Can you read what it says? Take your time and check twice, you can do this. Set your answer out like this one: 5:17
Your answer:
7:15
